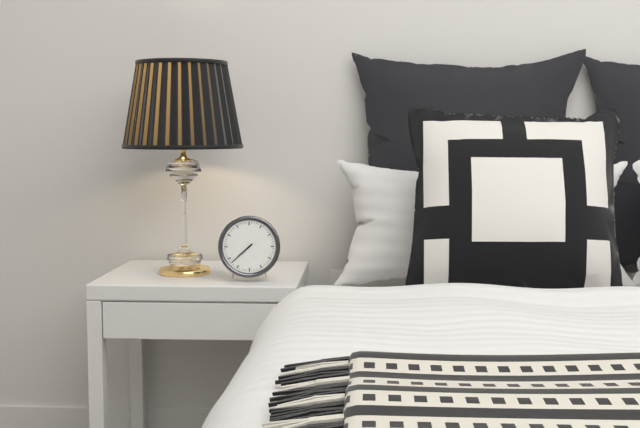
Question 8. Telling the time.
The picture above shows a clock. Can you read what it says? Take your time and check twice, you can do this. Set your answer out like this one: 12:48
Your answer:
7:38
